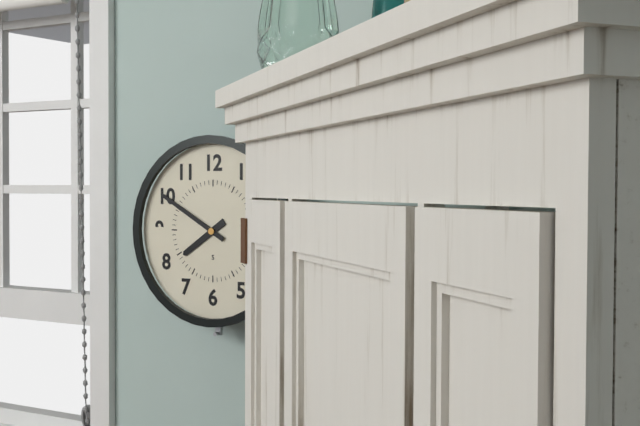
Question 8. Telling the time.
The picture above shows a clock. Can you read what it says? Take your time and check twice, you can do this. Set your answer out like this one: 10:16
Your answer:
7:50
